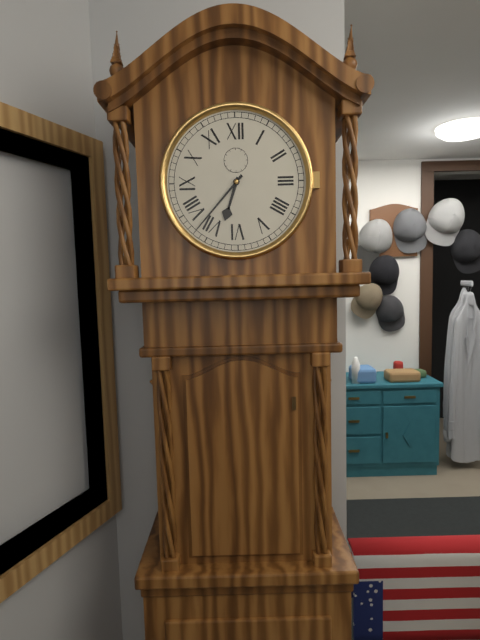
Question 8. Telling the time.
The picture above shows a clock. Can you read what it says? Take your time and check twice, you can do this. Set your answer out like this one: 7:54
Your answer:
6:37
